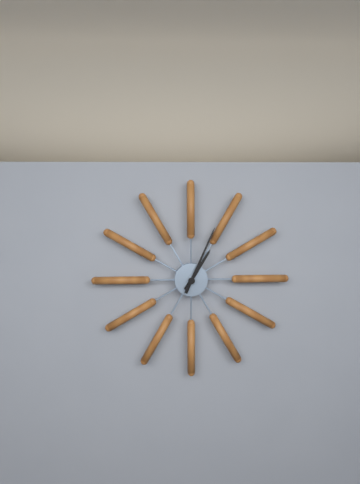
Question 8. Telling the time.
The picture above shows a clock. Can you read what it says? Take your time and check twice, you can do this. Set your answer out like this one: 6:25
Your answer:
1:04
